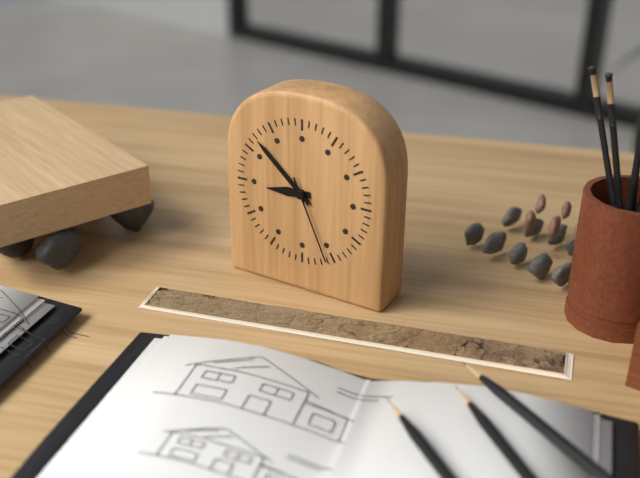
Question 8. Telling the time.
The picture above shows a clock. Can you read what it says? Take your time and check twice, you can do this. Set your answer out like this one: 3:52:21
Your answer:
8:52:26
